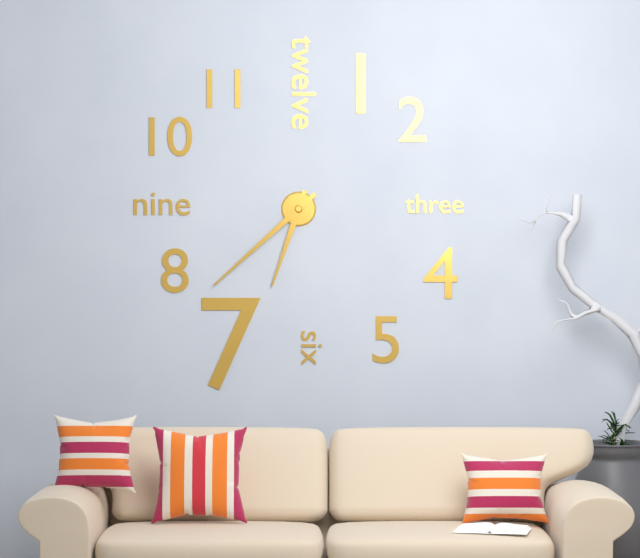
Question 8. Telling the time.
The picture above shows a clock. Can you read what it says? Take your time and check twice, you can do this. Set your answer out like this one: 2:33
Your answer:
6:38
